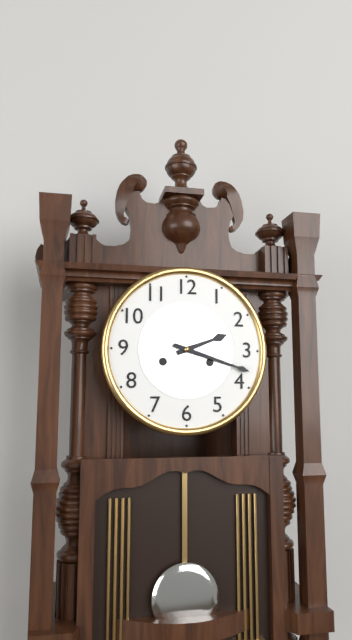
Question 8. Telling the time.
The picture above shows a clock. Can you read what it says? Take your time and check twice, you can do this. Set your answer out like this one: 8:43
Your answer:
2:18
